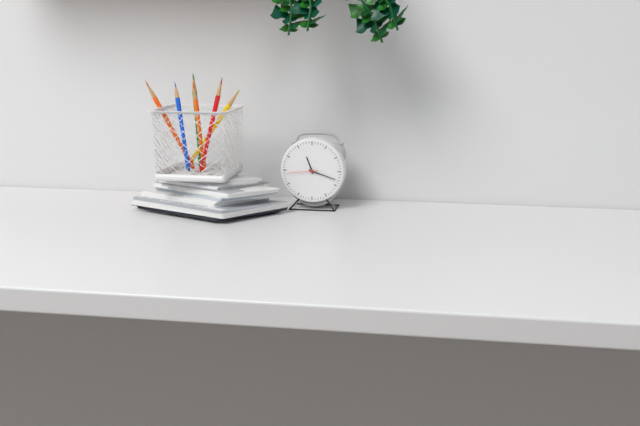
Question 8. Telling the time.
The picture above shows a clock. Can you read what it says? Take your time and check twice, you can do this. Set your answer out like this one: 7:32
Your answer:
11:18
